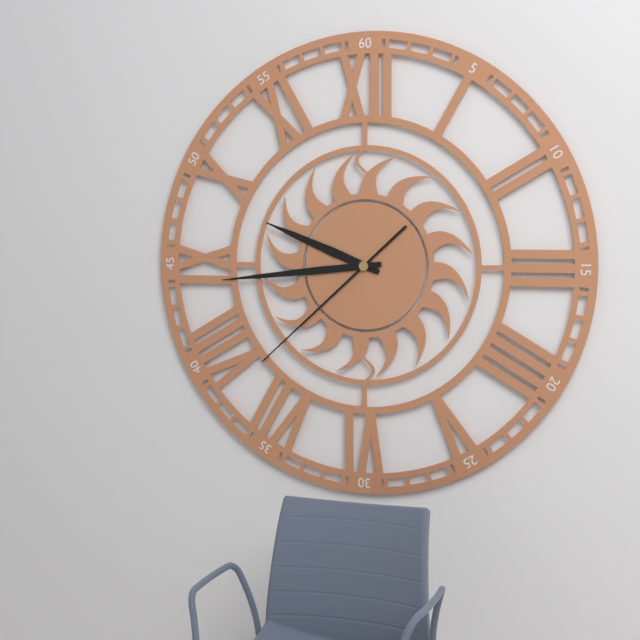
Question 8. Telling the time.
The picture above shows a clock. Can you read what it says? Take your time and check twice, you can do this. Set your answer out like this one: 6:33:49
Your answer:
9:44:38
